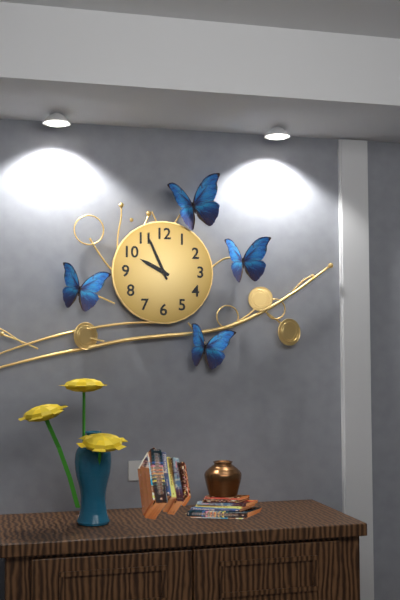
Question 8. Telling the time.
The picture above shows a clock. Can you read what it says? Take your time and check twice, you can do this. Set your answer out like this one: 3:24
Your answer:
9:56
